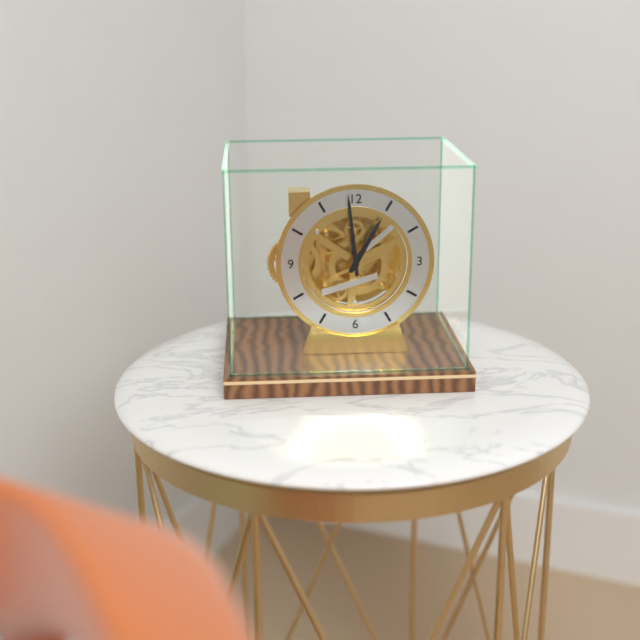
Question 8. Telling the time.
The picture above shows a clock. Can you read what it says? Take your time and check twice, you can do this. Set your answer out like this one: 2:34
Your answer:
12:59
